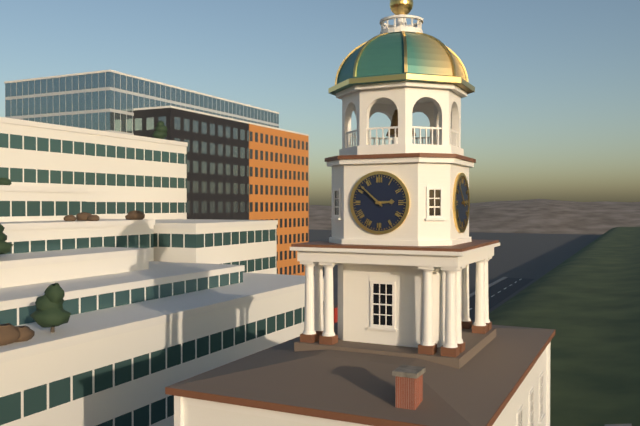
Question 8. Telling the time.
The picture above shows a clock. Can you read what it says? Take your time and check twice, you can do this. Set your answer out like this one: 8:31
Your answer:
2:52
